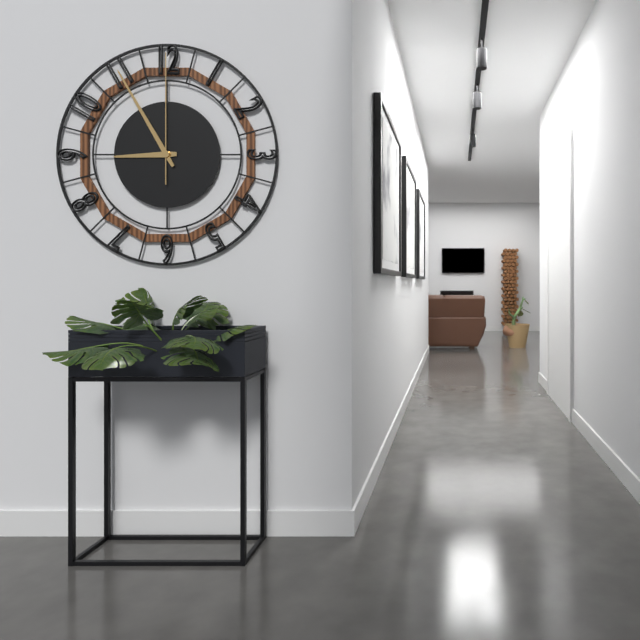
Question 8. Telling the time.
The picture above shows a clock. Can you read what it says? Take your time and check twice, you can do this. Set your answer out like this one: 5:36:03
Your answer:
8:55:00
